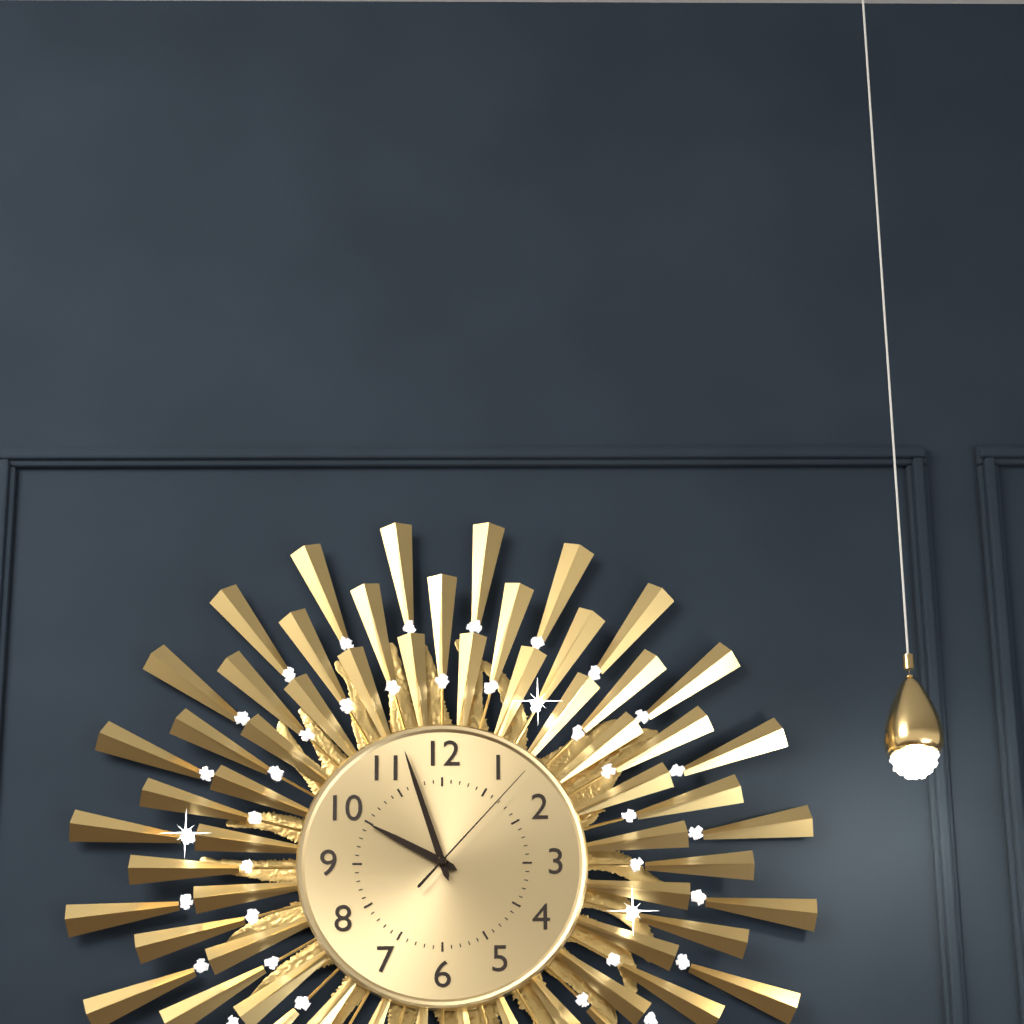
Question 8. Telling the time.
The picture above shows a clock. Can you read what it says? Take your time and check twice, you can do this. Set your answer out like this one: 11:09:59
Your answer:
9:57:07
